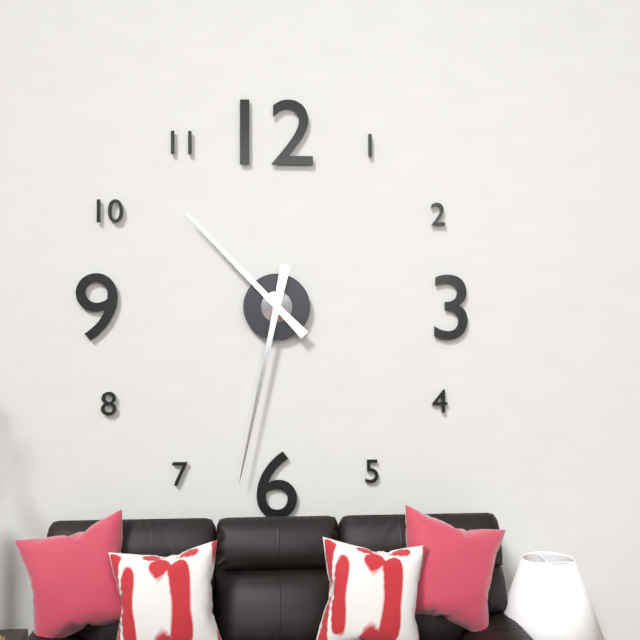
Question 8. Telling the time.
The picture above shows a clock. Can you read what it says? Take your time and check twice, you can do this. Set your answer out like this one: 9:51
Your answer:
10:32
